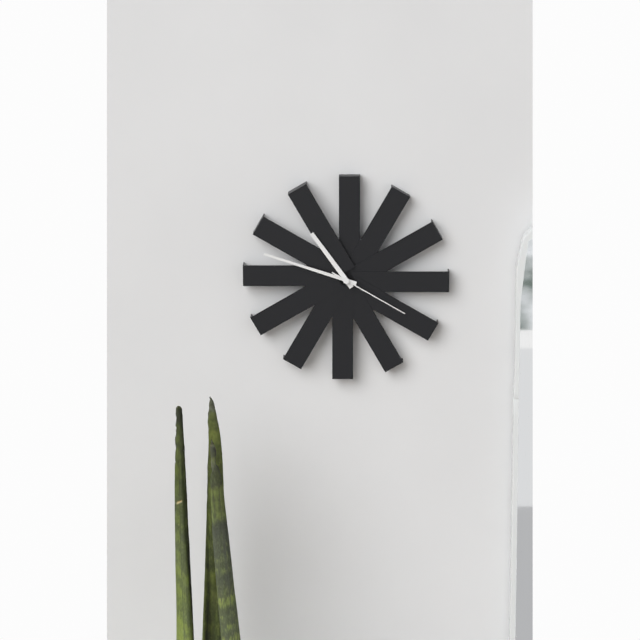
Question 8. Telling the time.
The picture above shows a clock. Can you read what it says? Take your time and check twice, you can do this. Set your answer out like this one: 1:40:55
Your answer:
10:48:20
